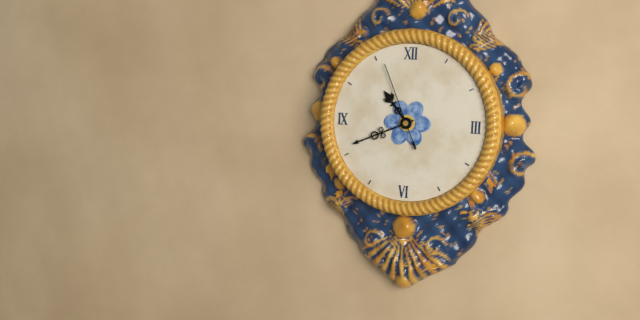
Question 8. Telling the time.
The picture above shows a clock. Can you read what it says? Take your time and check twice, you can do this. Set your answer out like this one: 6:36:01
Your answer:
10:41:56
